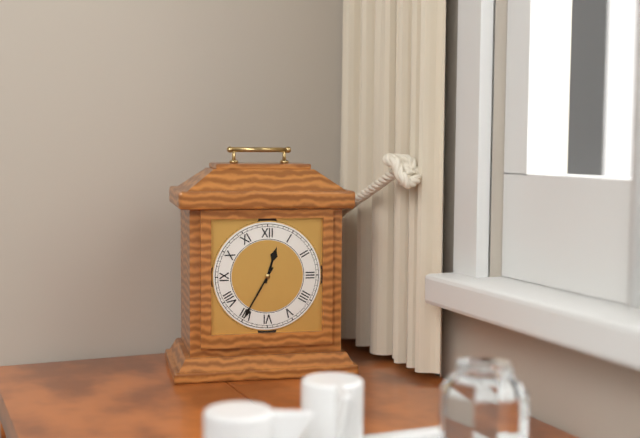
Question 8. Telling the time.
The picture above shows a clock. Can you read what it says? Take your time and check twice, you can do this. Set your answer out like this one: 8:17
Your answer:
12:35
